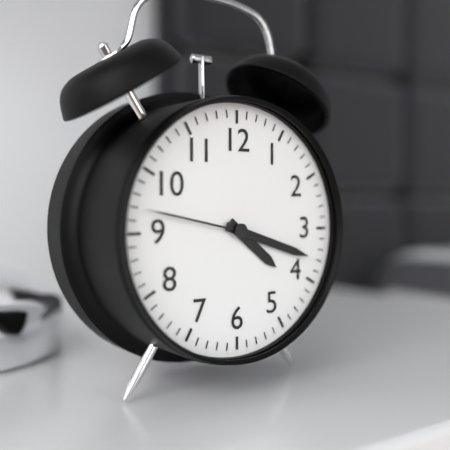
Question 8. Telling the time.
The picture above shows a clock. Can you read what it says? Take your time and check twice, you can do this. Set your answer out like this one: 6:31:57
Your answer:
4:18:47
